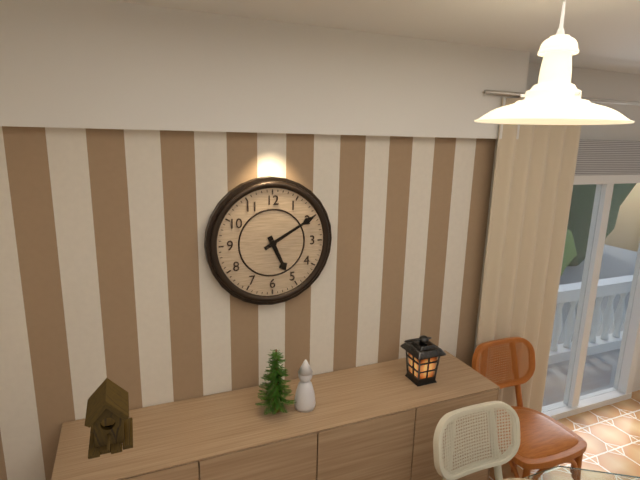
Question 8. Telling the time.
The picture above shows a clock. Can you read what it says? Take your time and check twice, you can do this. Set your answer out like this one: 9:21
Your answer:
5:10
